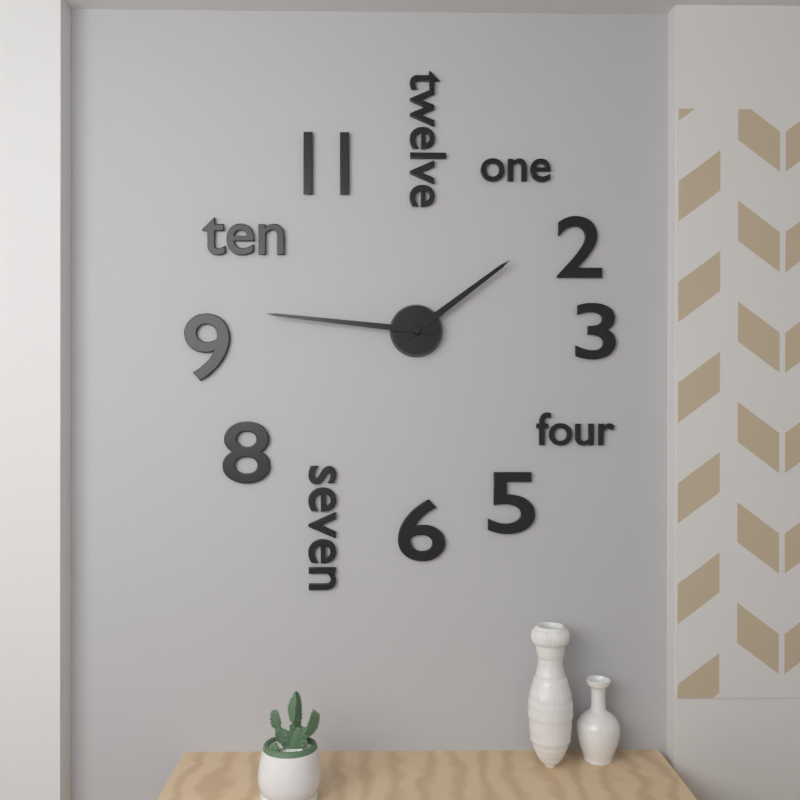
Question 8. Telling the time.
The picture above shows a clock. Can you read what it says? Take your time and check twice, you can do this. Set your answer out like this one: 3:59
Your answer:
1:46
